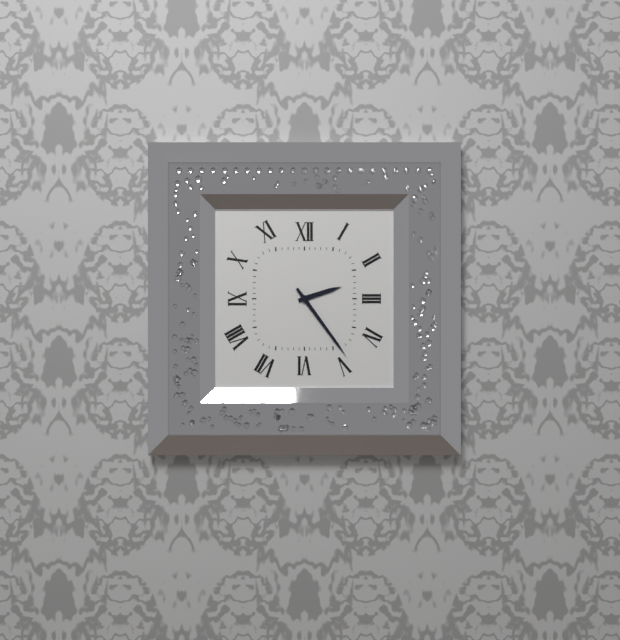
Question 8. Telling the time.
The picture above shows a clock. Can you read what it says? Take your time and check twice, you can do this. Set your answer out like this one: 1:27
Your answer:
2:24
